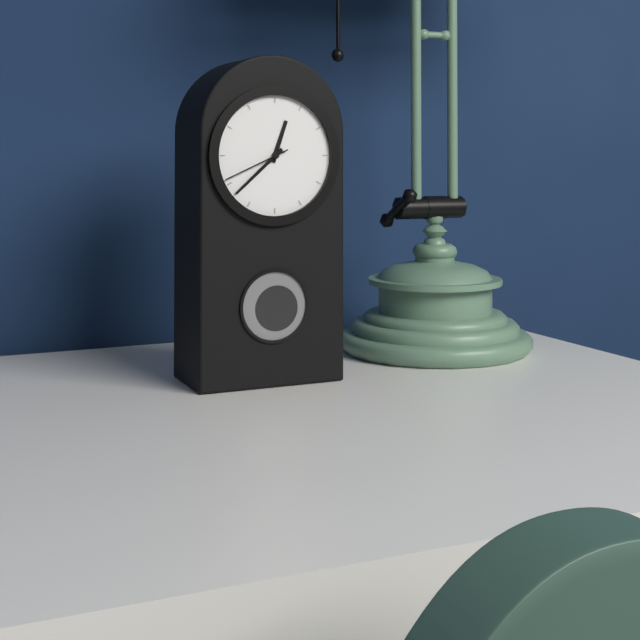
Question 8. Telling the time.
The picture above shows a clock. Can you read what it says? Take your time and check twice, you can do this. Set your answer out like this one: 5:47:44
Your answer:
12:38:41
